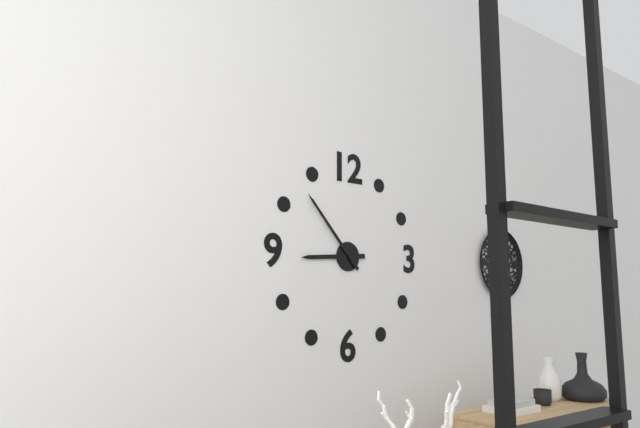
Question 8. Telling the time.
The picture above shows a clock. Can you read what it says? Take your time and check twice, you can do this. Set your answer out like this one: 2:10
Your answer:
8:53
